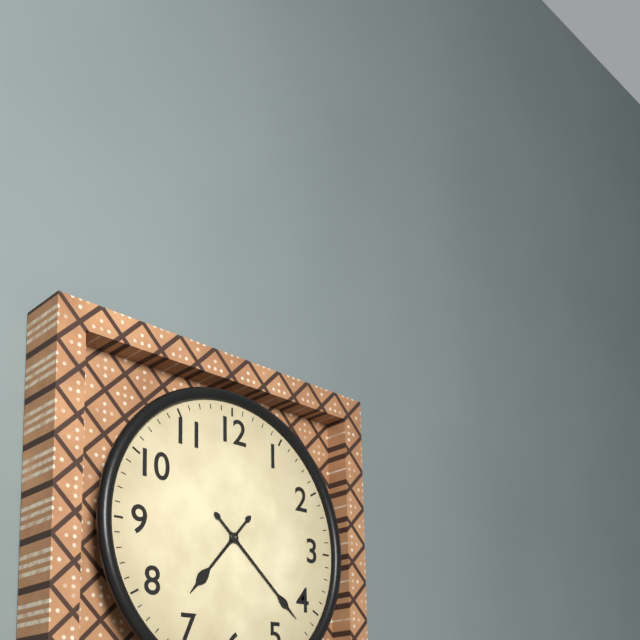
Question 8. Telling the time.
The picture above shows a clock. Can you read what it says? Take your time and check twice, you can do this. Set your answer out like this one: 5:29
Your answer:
7:22
